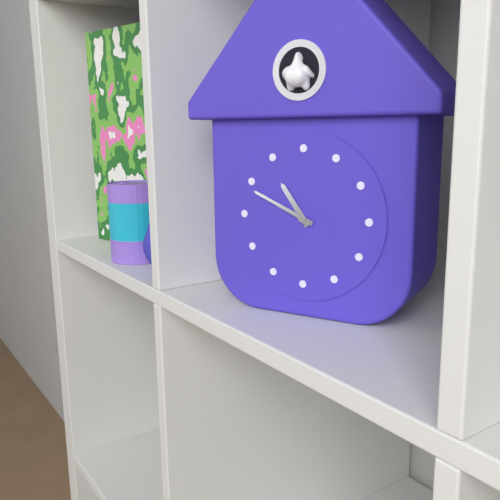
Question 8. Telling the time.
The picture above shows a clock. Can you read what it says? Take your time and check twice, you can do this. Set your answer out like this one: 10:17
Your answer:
10:49
